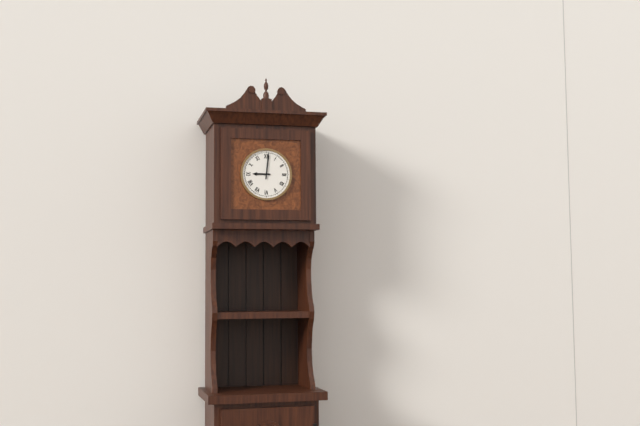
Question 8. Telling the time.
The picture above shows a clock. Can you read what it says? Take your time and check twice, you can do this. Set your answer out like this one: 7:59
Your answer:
9:01
